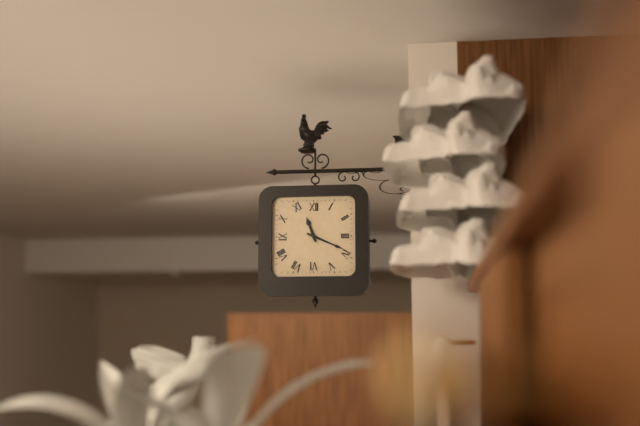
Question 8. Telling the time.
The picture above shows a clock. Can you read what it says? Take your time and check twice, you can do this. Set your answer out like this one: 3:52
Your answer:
11:19
